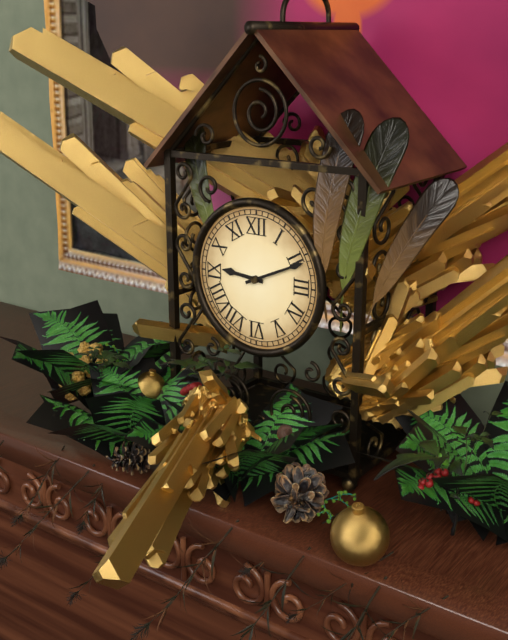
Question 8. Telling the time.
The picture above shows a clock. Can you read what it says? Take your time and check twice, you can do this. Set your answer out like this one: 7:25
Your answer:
9:11
